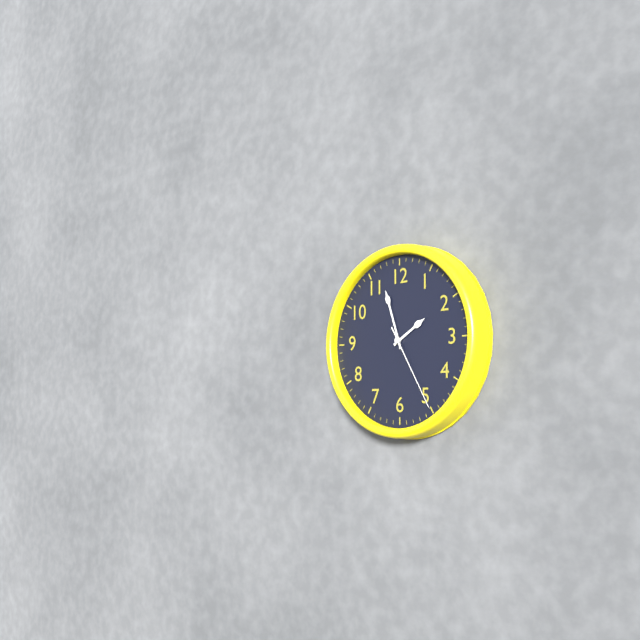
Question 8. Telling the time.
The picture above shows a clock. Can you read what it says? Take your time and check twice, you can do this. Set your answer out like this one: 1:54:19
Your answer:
1:57:25
